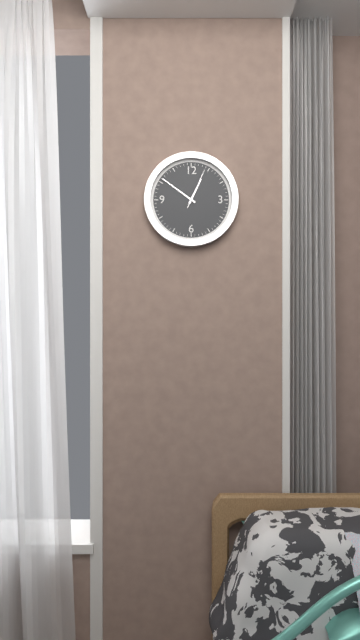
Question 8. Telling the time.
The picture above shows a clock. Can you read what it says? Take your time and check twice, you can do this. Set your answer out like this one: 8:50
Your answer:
12:51
